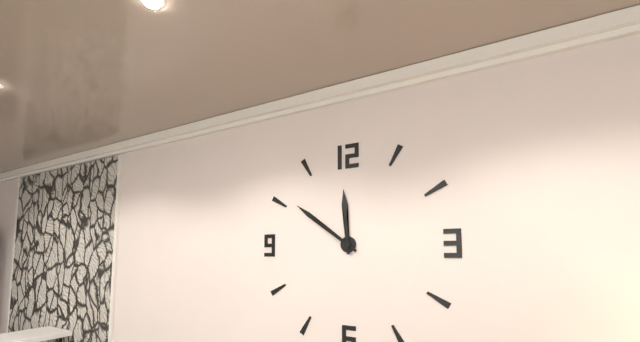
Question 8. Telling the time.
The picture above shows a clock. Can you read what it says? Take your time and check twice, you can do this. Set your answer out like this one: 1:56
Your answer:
11:51
